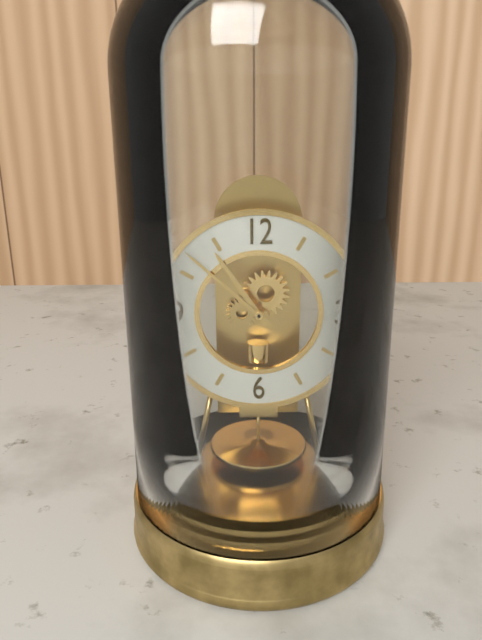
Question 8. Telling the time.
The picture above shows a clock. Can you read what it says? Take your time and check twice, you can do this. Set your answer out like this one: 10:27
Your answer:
10:52
